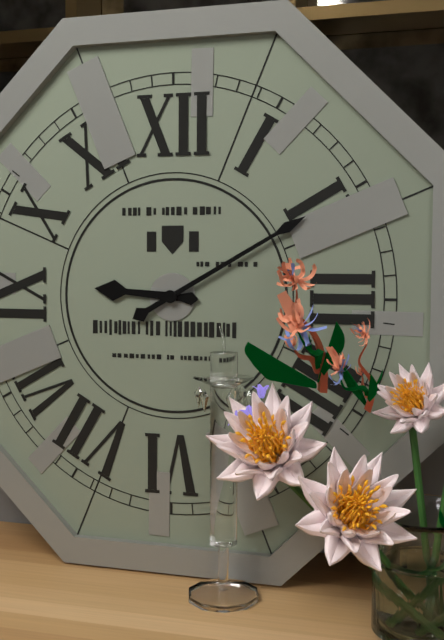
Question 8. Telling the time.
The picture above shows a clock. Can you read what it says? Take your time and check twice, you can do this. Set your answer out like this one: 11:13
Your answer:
9:10
